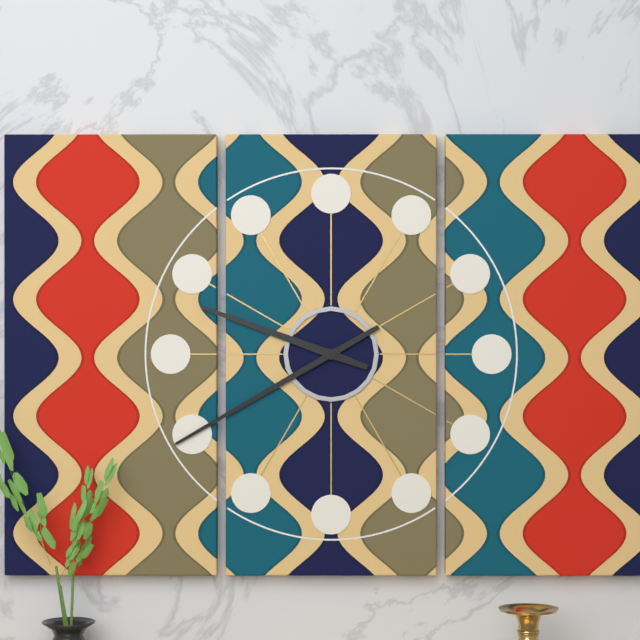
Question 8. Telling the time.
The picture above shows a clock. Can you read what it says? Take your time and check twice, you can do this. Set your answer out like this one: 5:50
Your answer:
9:40
